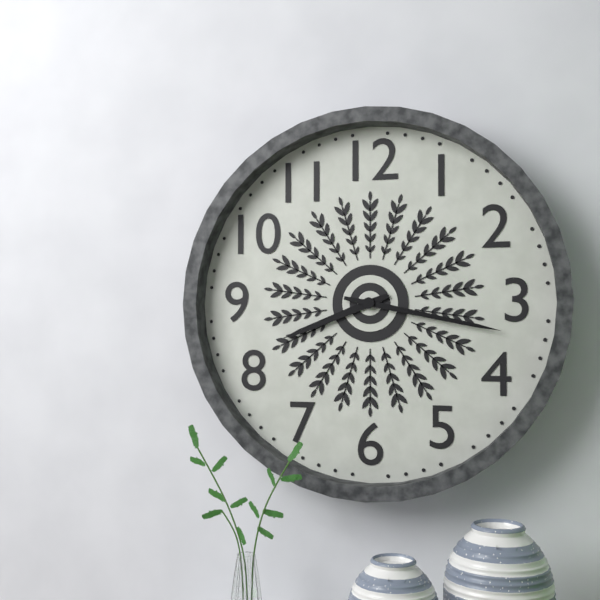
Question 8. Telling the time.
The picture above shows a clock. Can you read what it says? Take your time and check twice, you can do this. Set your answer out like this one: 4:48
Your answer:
8:17
